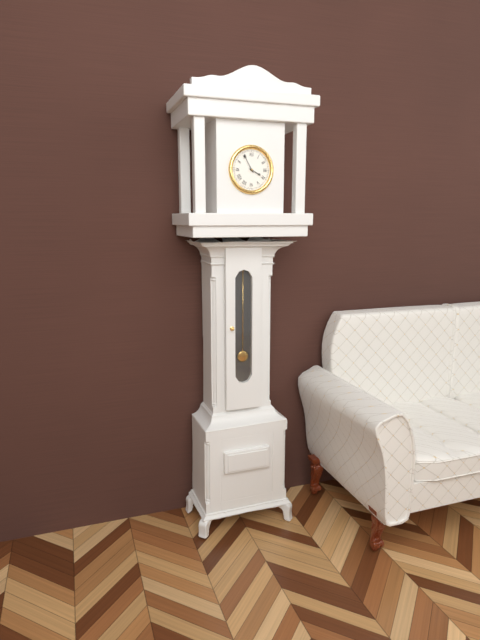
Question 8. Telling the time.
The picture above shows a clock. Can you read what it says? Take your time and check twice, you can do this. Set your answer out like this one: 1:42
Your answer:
3:55
